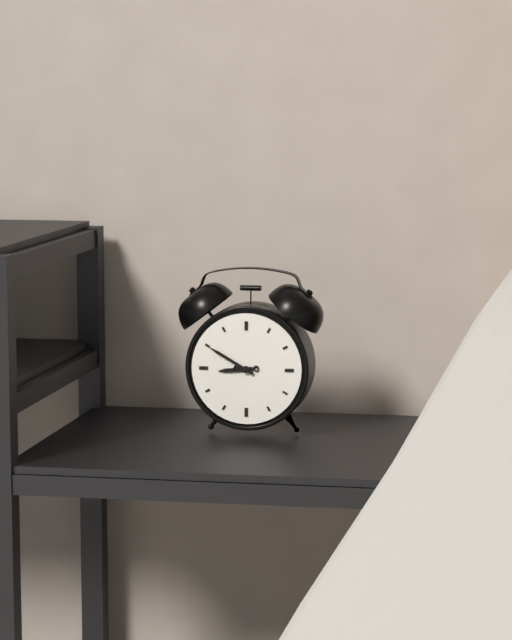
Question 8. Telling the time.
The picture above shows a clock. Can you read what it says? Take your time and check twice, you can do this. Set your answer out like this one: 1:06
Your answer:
8:50
